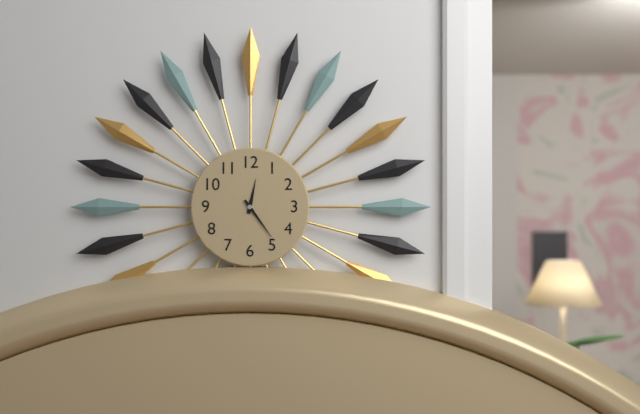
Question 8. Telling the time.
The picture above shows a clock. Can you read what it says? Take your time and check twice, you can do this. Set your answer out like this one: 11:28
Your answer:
12:24
